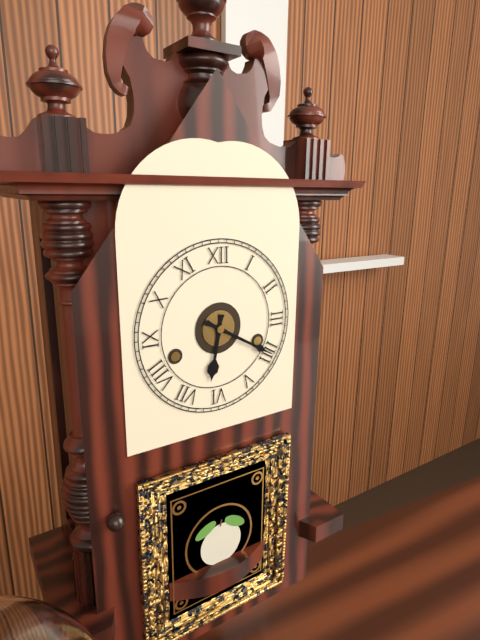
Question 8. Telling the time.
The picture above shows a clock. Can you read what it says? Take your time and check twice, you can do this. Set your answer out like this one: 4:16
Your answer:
6:20
